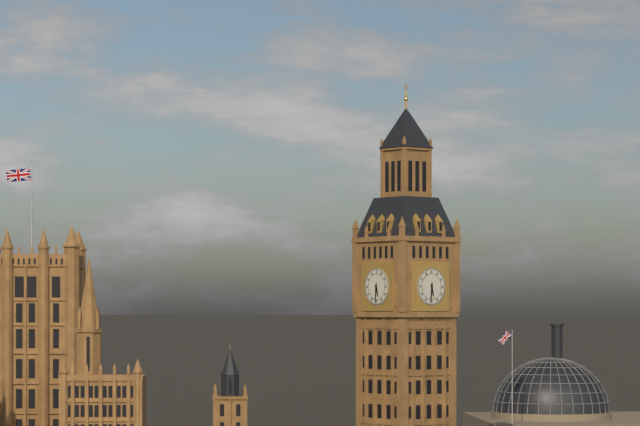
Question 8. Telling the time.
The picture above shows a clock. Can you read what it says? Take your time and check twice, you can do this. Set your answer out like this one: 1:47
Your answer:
5:31
